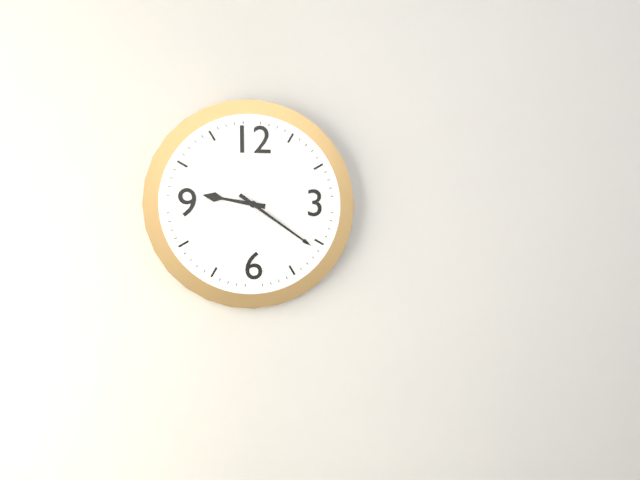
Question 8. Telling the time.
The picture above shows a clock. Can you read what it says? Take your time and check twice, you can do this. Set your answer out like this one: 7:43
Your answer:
9:21
